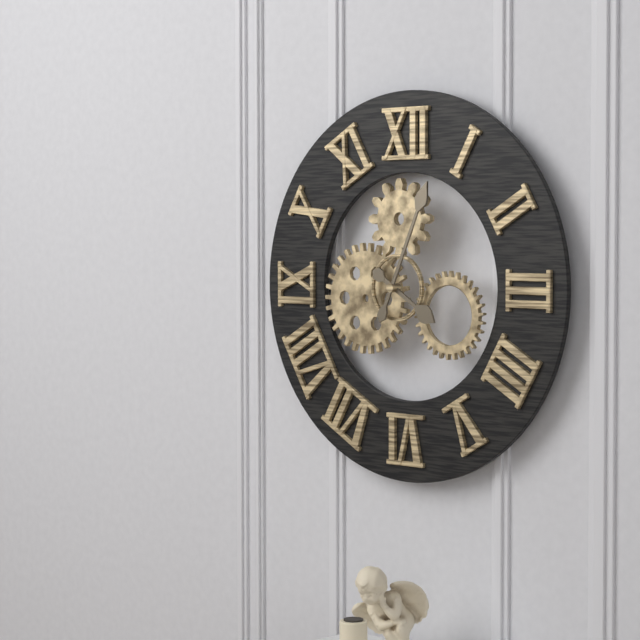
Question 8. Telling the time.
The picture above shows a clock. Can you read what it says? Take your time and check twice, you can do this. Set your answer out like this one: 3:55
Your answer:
4:04
